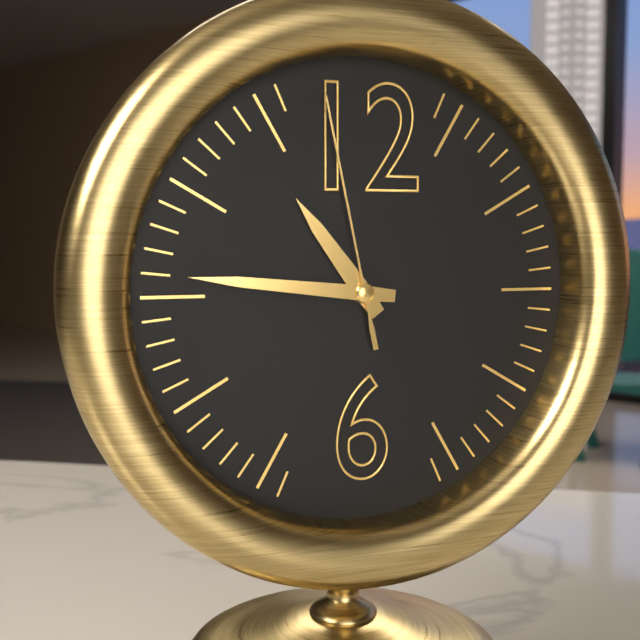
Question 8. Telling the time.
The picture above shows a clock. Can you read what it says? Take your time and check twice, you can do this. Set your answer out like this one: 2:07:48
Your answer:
10:46:58
